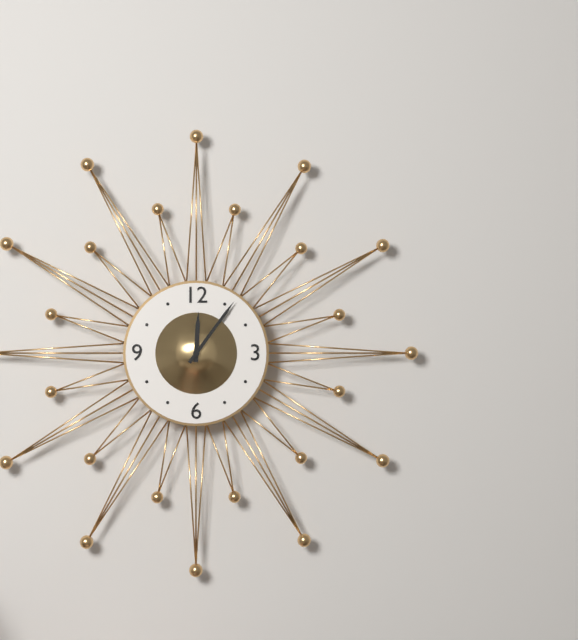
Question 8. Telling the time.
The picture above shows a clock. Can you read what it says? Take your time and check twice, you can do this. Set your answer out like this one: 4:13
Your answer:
12:06
